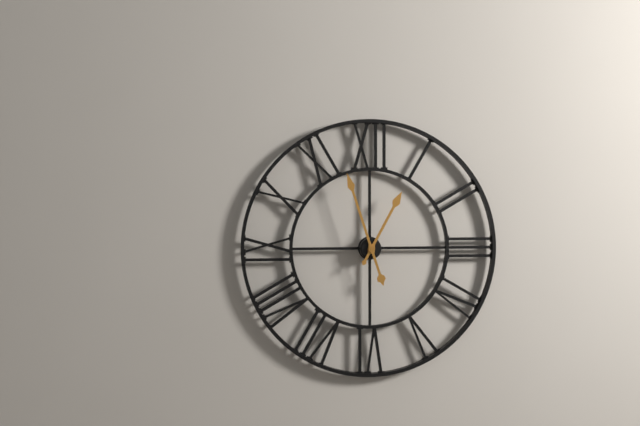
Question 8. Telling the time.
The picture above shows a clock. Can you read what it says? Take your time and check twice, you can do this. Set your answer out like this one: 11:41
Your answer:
12:57
